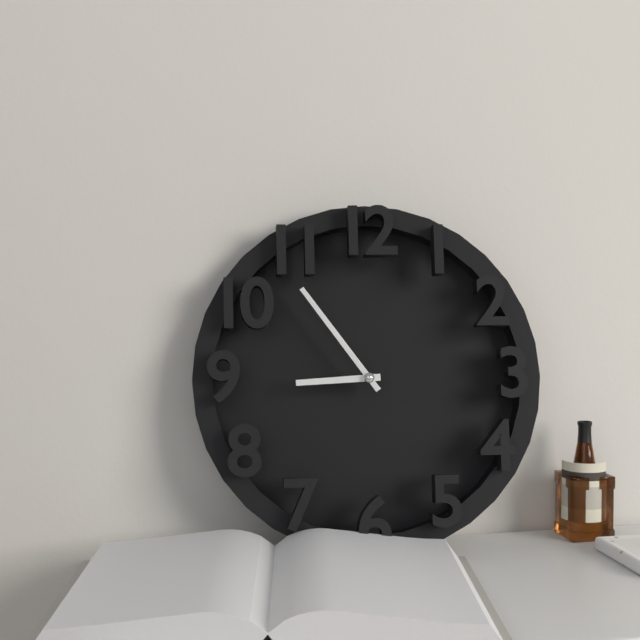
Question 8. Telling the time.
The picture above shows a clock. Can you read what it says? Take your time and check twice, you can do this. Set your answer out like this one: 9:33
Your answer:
8:54
